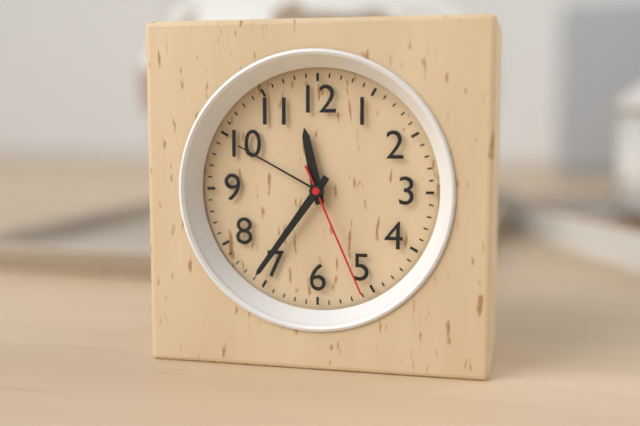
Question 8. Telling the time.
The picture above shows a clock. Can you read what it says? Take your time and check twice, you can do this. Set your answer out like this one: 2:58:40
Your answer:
11:36:26
